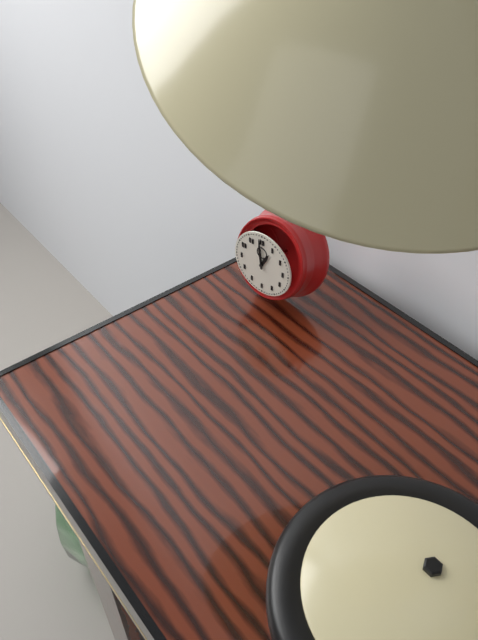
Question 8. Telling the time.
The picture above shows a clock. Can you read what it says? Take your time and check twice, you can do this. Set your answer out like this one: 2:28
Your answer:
12:59
